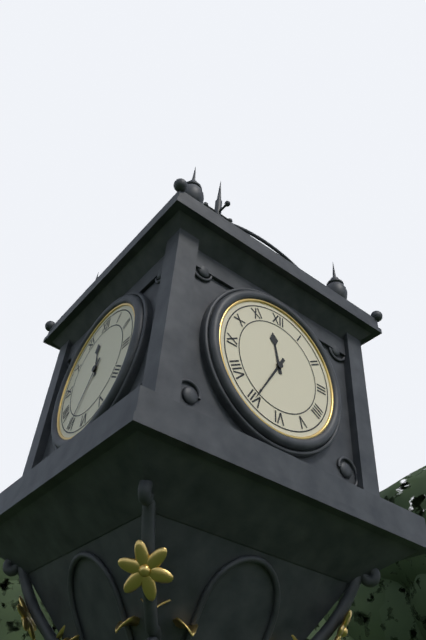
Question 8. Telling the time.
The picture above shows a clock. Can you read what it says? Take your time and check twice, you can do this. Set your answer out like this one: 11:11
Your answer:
11:35
